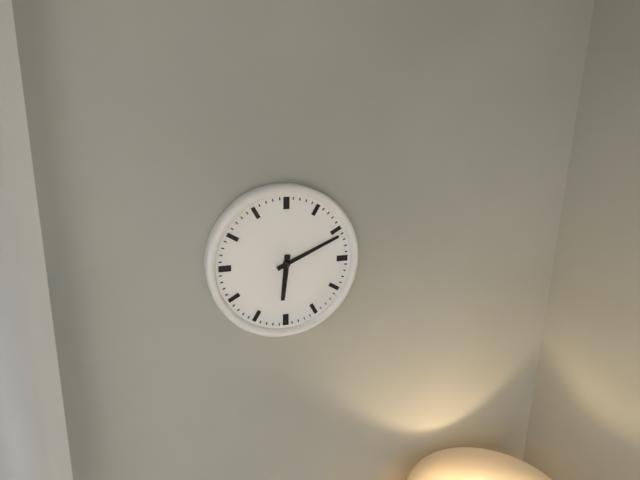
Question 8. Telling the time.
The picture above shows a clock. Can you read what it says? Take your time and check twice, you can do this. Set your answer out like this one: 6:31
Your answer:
6:11
